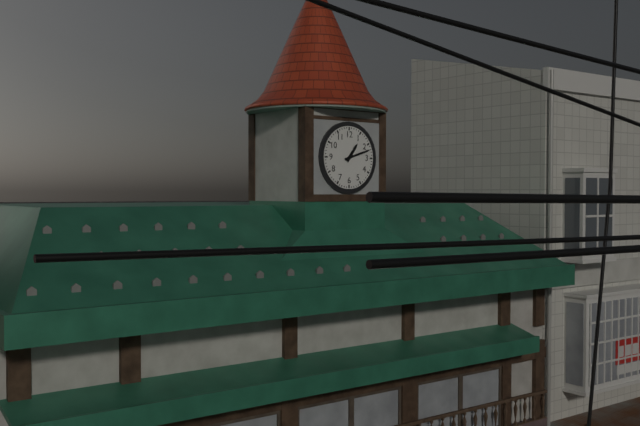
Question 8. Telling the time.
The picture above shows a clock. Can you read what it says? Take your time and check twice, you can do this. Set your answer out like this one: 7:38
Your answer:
1:12
